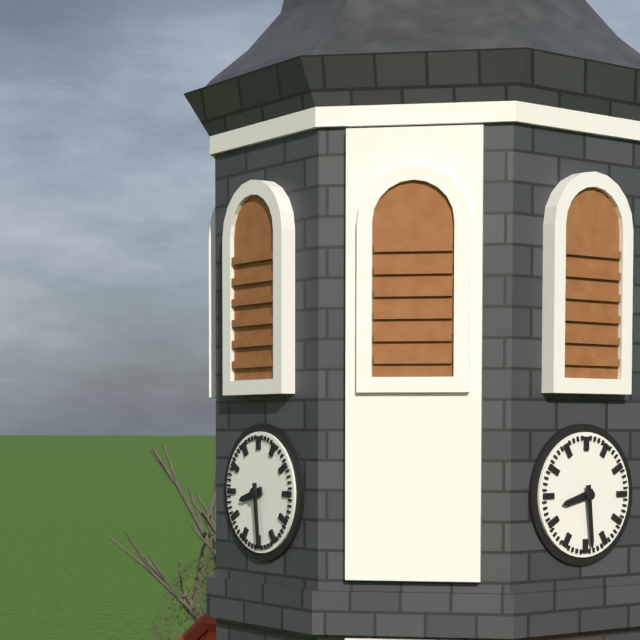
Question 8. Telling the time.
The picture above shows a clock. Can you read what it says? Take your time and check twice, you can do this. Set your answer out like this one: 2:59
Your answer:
8:29
